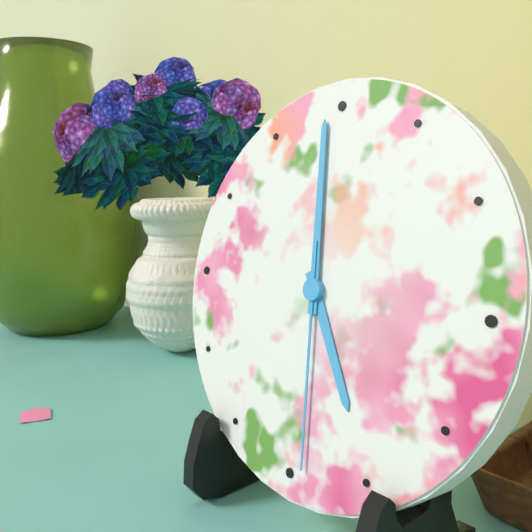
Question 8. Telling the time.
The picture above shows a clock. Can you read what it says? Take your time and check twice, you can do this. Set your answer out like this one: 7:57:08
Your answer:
4:59:29
